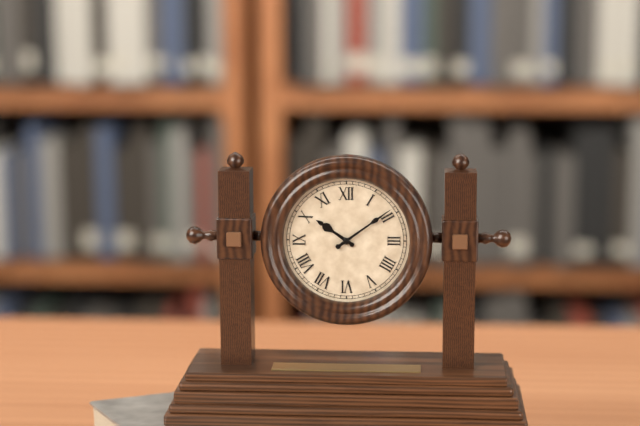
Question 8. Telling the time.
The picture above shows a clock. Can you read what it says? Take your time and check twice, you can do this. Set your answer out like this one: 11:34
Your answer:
10:09
